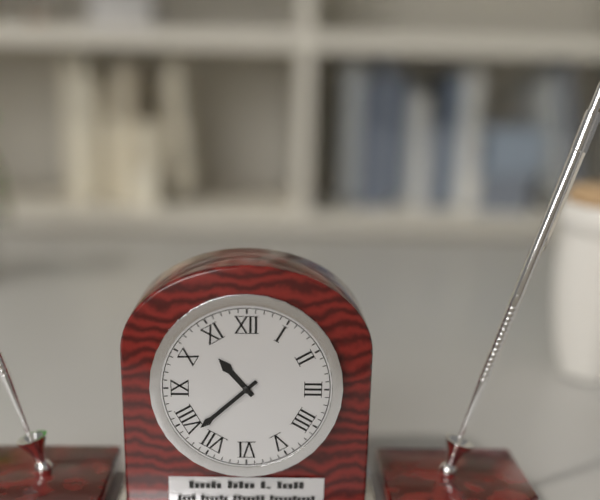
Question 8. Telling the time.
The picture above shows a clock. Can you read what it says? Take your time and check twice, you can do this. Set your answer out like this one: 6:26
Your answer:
10:38
